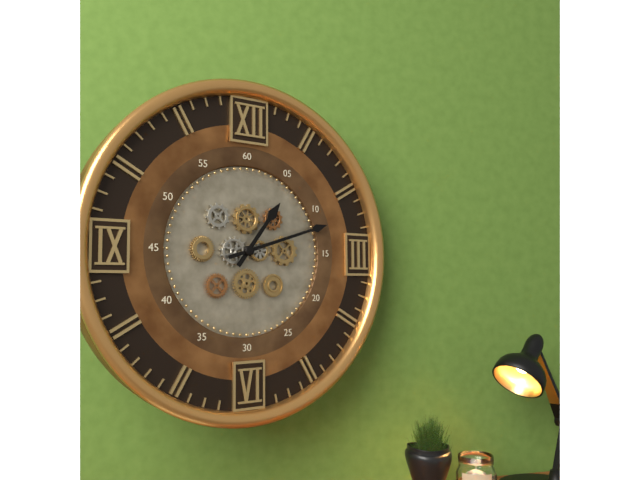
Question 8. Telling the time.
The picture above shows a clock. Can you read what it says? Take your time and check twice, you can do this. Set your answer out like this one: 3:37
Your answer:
1:12
